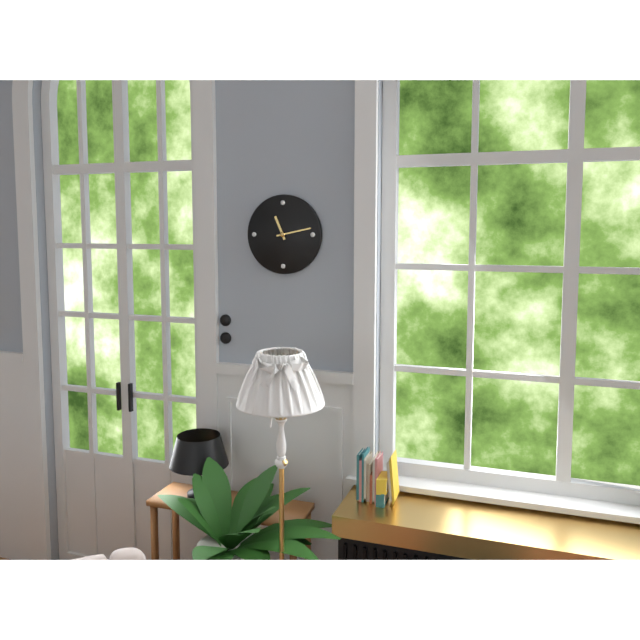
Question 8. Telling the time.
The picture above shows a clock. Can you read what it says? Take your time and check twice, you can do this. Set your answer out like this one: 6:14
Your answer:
11:13
